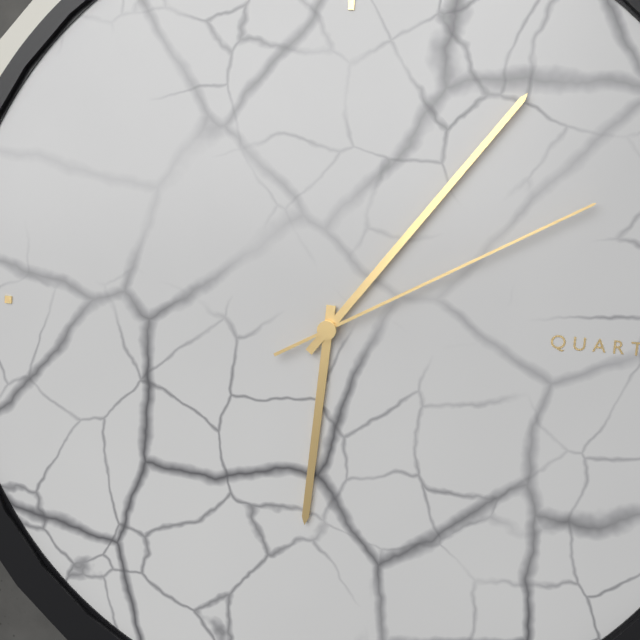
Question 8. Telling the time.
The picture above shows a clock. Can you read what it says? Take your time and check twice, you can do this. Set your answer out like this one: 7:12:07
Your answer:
6:06:10
